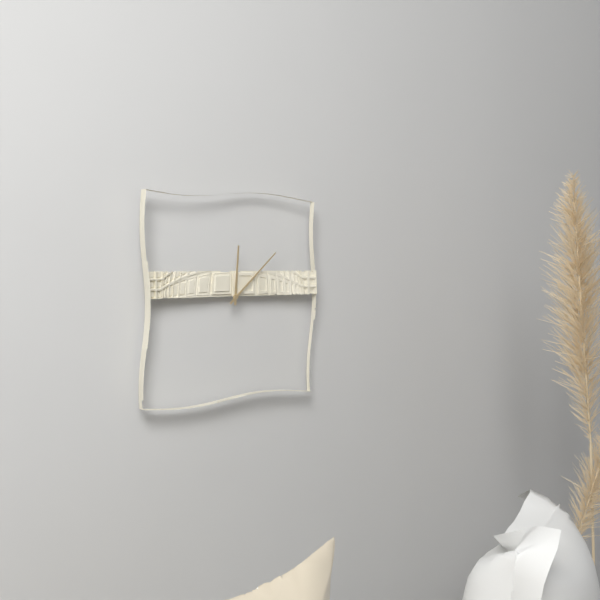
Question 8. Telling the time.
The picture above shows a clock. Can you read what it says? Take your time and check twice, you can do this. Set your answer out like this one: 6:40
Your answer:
12:08
